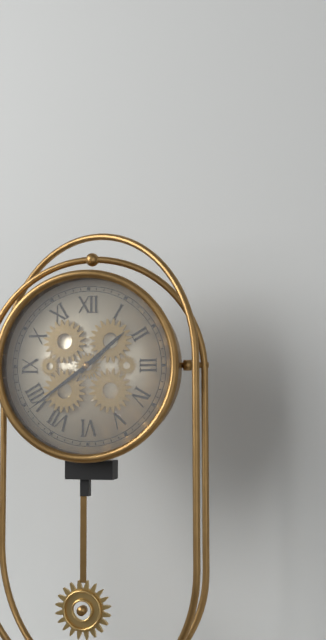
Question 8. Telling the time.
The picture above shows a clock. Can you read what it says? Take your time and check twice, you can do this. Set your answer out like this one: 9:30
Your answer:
1:39
